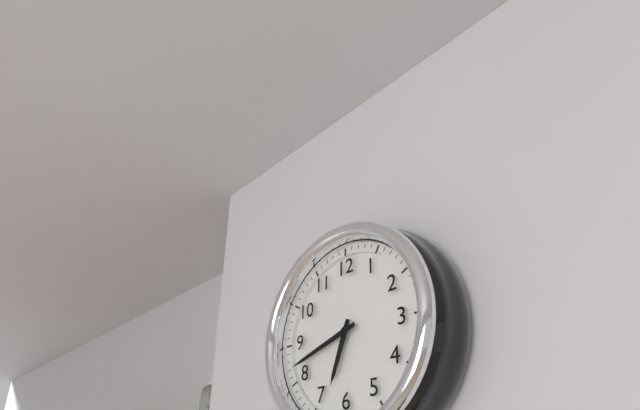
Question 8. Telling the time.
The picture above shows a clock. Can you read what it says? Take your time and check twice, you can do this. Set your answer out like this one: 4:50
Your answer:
6:42
